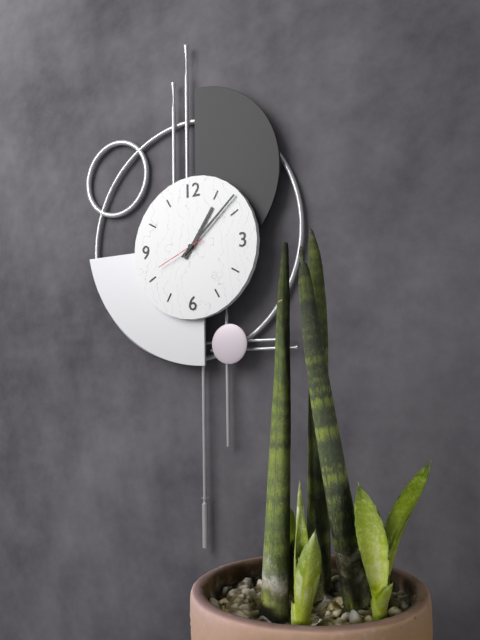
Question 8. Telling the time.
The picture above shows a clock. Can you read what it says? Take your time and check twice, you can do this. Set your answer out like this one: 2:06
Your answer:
1:08
